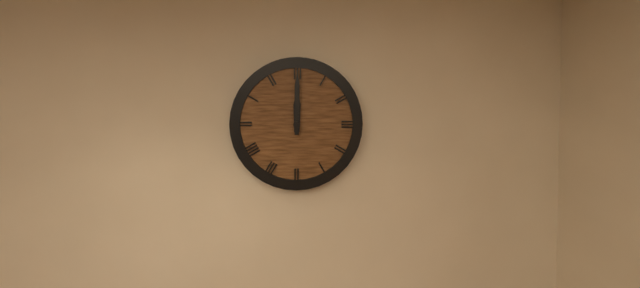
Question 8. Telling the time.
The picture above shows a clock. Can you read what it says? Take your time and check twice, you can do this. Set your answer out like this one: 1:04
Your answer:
12:00
